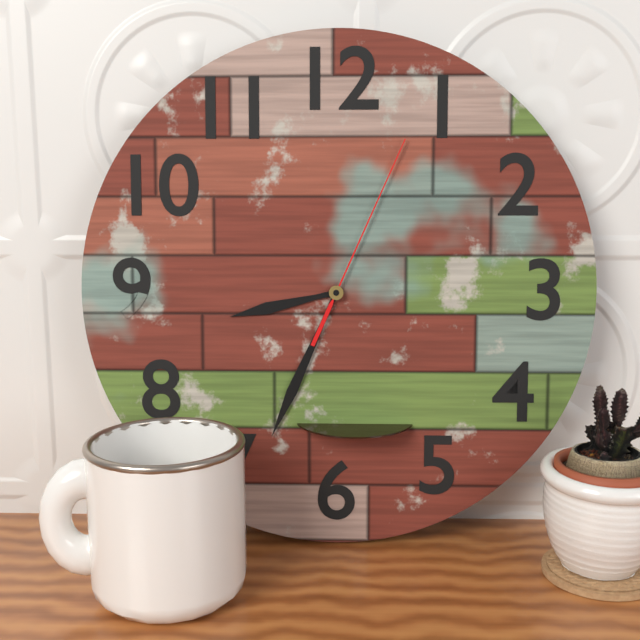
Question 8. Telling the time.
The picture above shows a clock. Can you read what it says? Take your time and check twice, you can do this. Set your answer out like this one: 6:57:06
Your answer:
8:34:04
